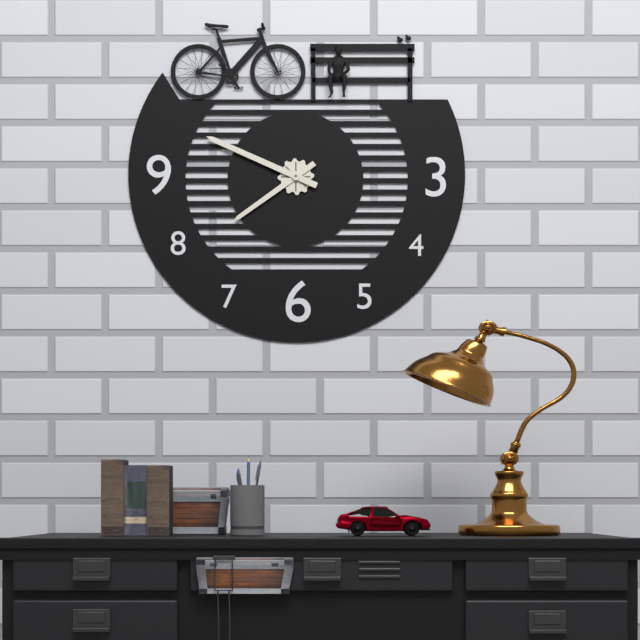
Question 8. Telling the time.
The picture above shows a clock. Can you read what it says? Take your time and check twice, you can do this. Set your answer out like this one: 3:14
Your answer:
7:49
